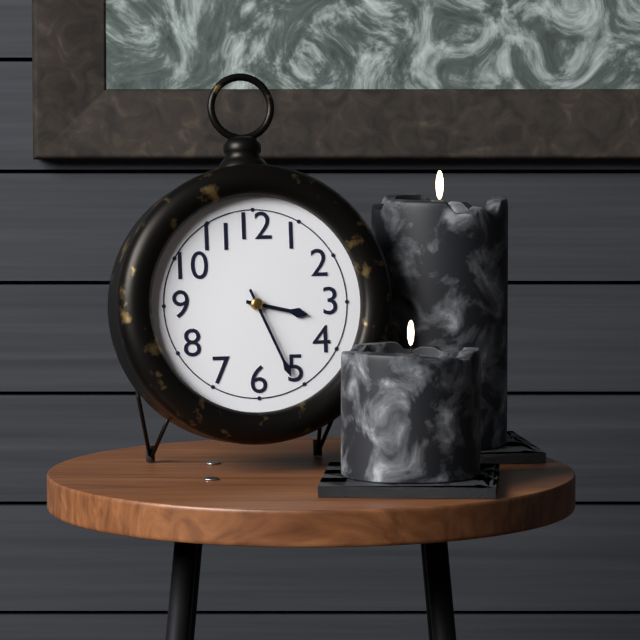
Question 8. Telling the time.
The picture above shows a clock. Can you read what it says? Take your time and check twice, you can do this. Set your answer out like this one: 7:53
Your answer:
3:26
